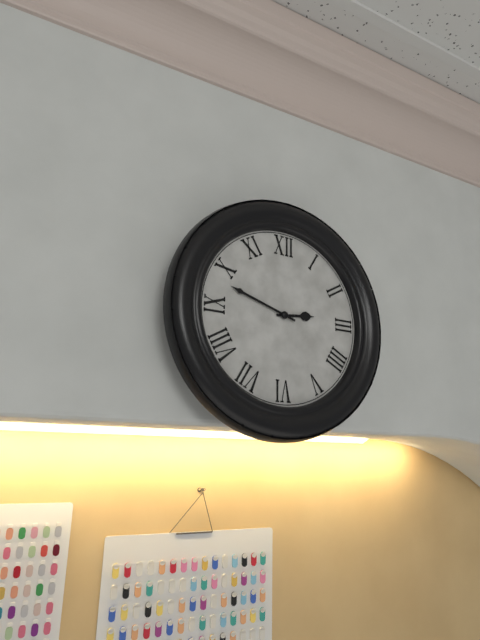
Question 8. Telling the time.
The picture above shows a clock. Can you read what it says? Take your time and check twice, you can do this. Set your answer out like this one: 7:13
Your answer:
2:48
